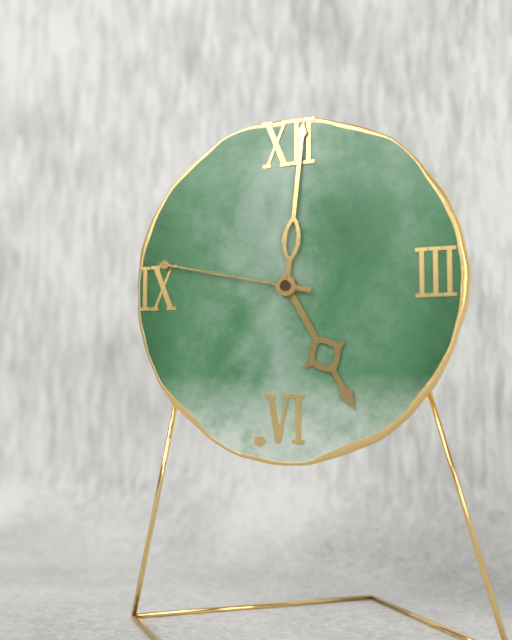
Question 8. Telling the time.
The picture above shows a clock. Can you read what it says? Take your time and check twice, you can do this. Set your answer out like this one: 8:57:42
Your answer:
5:01:47
